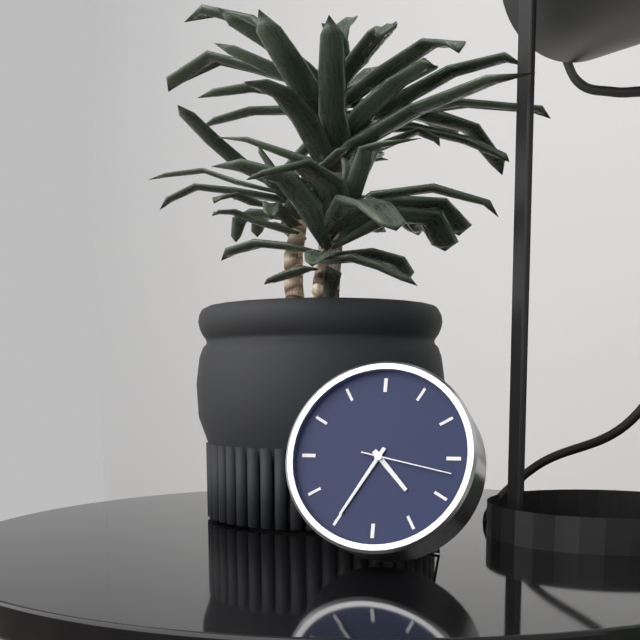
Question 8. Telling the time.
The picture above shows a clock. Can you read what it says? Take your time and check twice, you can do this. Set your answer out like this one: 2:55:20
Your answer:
4:35:17
